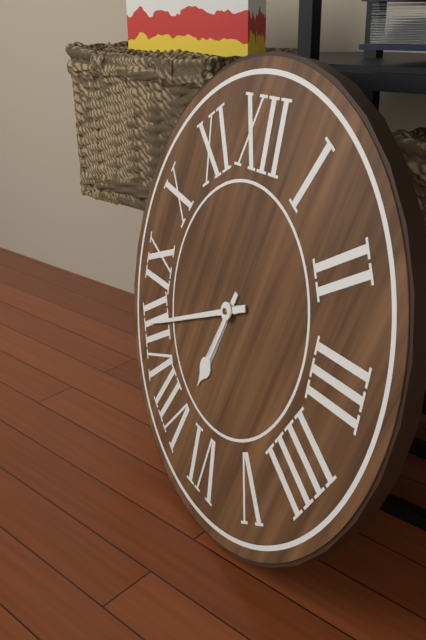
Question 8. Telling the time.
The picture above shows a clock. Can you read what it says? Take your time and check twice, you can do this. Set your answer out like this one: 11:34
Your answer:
6:41
